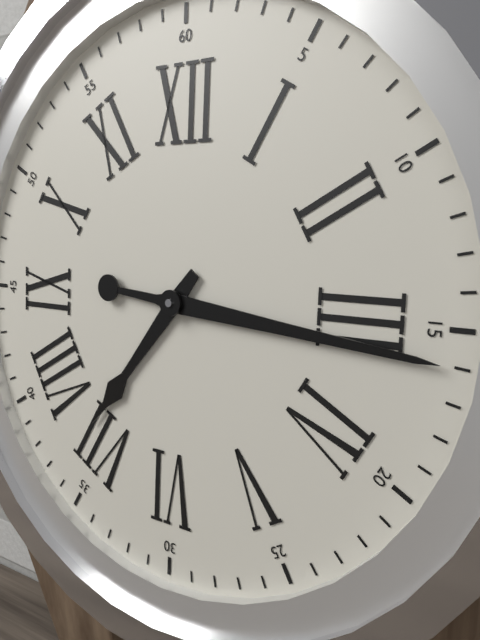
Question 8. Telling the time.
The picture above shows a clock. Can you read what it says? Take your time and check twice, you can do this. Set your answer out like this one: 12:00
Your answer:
7:16
